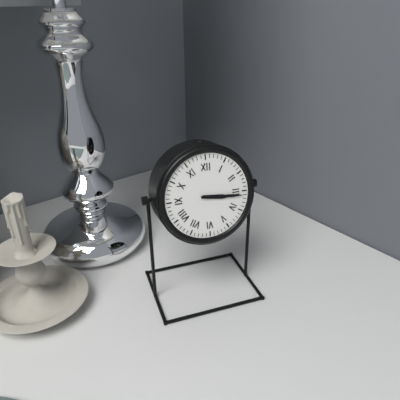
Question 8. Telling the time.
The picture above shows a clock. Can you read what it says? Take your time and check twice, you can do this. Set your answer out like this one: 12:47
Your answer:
3:16
